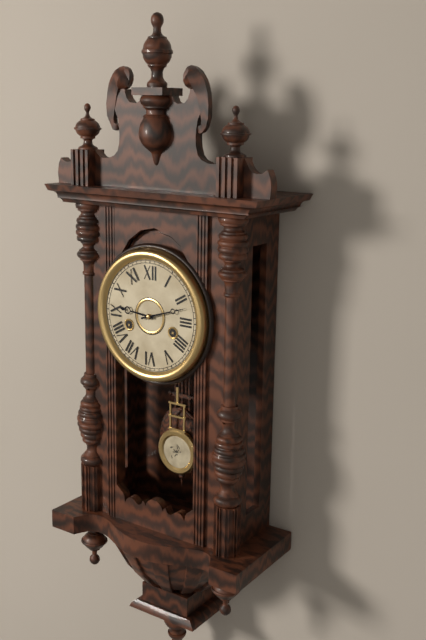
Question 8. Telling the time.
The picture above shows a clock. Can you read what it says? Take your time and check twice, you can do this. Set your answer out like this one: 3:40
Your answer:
9:12
